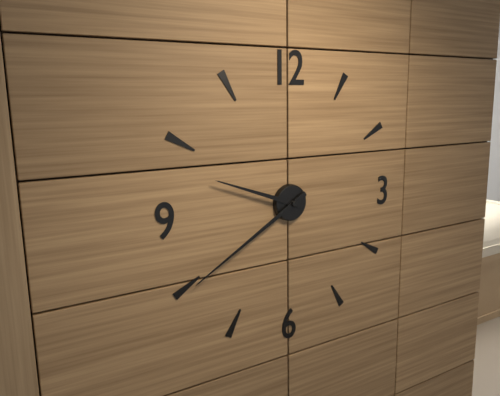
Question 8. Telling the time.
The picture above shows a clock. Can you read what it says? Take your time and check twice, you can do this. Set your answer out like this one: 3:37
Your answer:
9:40
